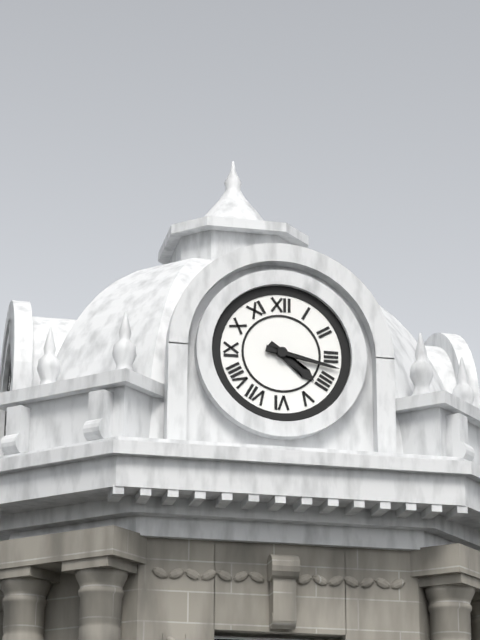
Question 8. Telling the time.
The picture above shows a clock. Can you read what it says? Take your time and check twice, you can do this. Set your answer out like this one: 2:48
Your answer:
4:17
